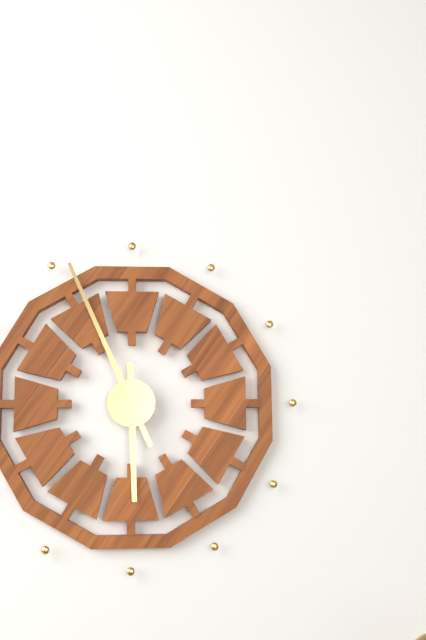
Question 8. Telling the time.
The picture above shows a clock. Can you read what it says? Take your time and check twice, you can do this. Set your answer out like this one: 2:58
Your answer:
5:56
